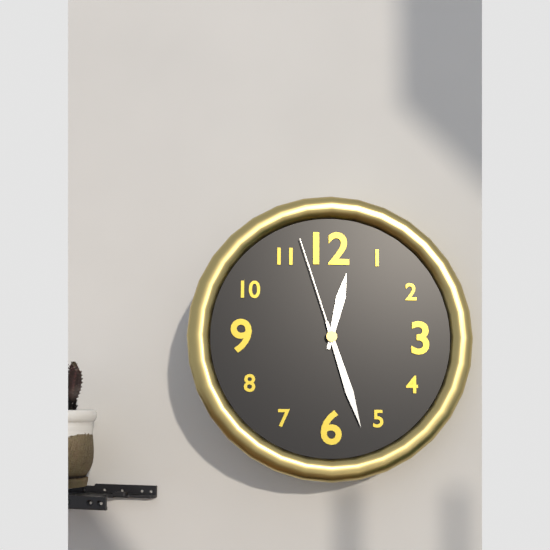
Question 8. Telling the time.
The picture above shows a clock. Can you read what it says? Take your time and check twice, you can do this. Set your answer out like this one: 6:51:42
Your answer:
12:27:57
